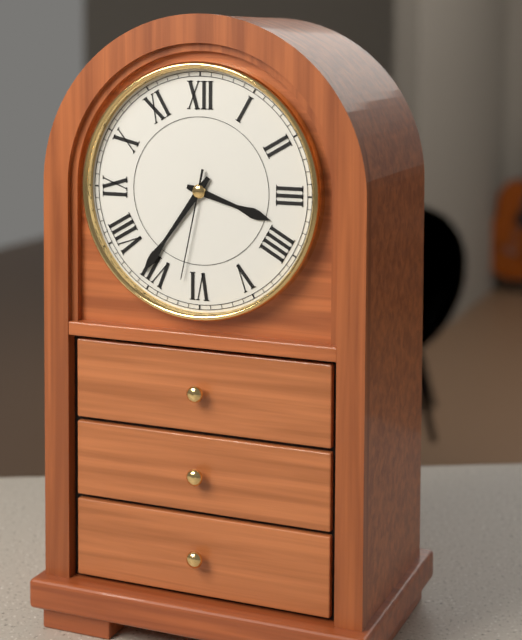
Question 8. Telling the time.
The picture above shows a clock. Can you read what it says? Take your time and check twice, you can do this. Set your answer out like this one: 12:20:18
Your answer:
3:36:32
